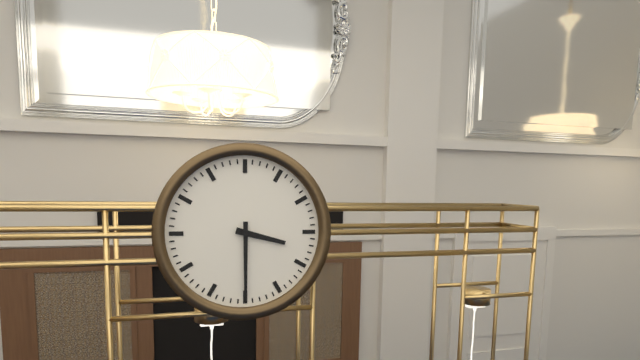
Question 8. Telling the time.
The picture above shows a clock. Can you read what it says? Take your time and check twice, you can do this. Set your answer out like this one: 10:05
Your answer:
3:30
